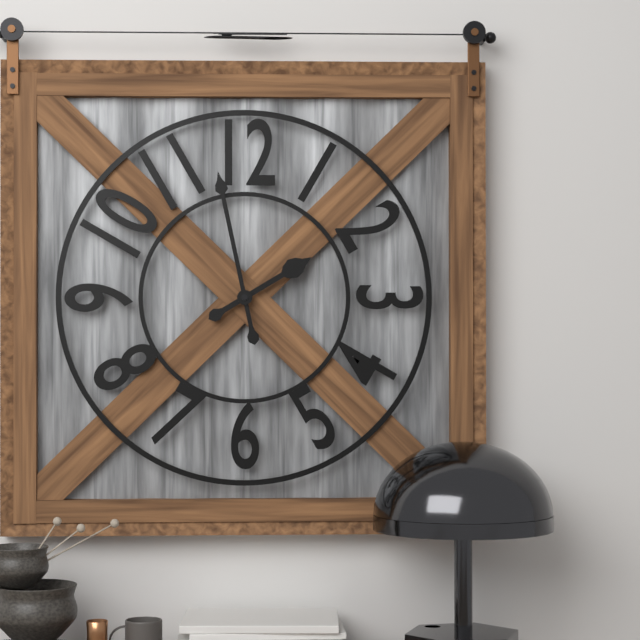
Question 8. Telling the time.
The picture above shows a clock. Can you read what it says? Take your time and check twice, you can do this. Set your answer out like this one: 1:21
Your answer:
1:58
